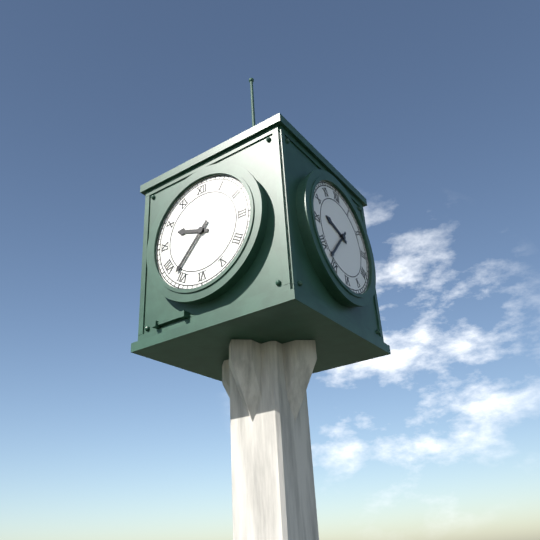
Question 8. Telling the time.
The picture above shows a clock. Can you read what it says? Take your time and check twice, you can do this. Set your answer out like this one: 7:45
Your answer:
9:37
